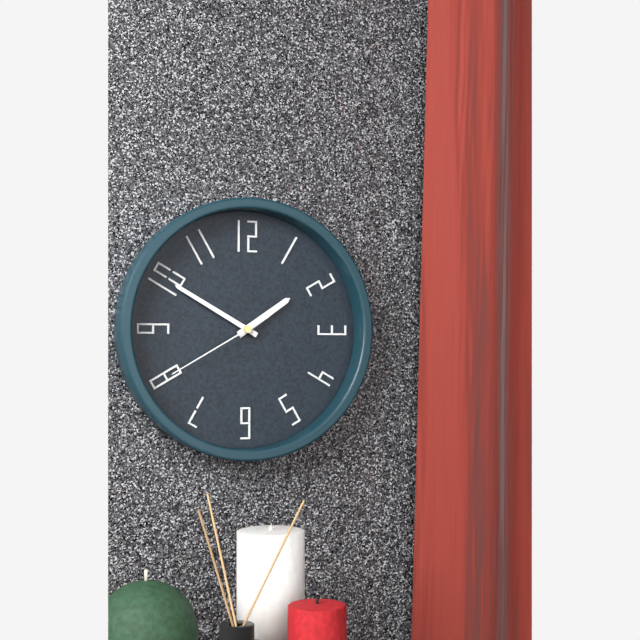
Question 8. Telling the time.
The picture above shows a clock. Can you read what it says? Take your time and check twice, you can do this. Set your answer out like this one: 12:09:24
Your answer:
1:50:40
